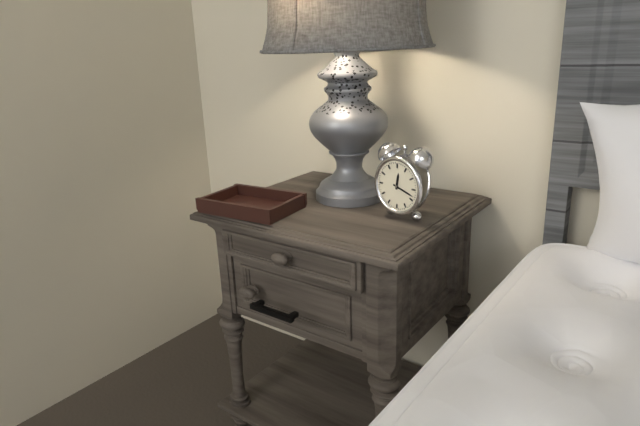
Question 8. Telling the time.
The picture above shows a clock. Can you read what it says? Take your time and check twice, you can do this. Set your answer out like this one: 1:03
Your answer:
12:18
